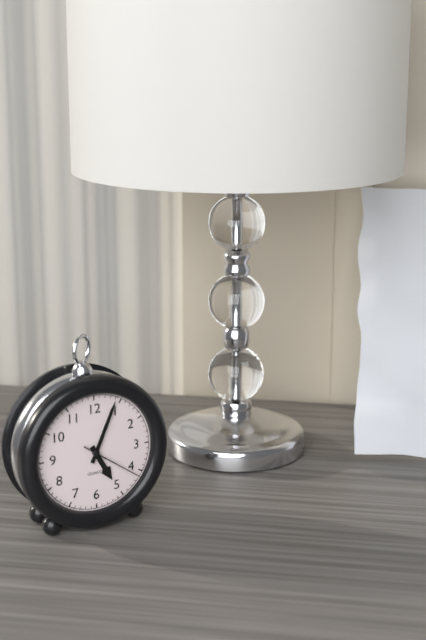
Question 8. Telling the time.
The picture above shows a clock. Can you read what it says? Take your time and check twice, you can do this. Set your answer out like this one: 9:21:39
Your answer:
5:04:21
